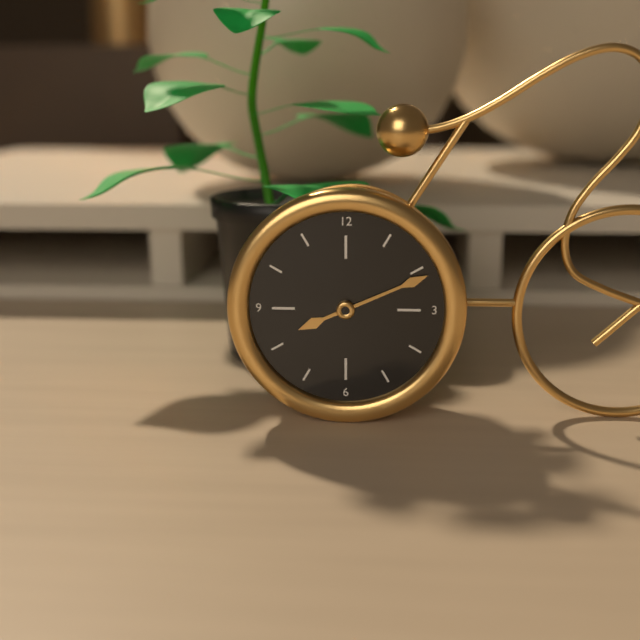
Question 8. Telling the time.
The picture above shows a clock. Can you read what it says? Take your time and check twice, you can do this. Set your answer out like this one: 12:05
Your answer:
8:11
